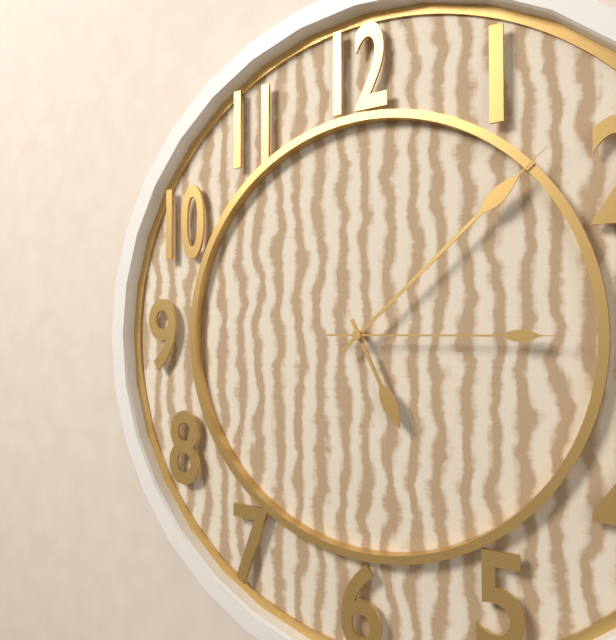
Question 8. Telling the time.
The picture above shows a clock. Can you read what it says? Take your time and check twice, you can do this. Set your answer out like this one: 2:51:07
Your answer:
5:08:15
